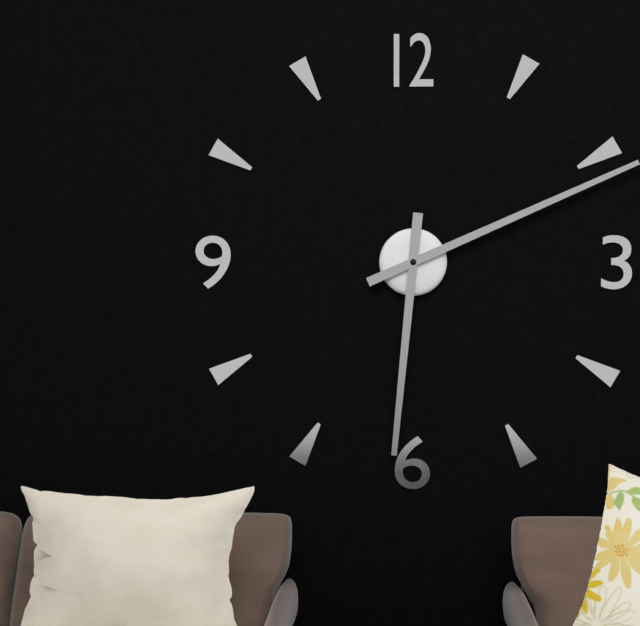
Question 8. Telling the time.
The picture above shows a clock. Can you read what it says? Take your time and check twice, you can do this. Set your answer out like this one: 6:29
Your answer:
6:11
